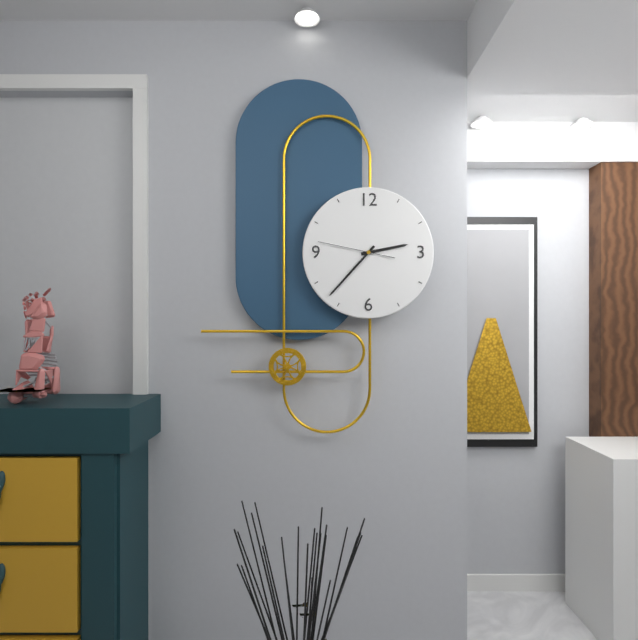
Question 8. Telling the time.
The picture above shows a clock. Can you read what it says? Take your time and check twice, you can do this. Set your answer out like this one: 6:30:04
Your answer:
2:37:47
